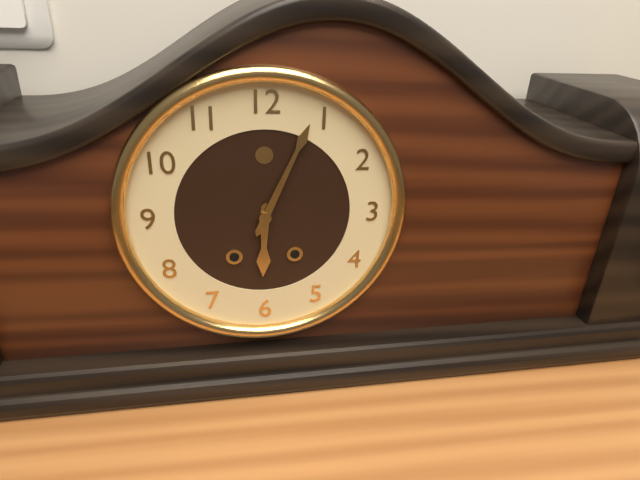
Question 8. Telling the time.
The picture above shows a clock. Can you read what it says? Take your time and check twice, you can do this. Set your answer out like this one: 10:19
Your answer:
6:04
